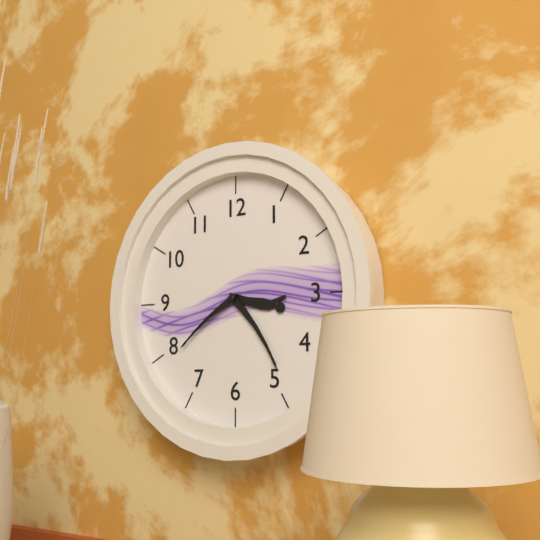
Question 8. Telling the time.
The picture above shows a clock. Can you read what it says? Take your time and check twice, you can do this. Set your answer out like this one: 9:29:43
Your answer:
3:24:39
